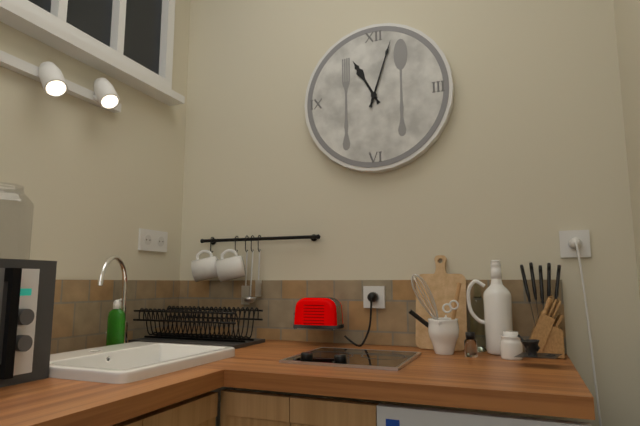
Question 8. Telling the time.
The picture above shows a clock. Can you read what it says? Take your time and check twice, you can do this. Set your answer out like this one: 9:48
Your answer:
11:03
